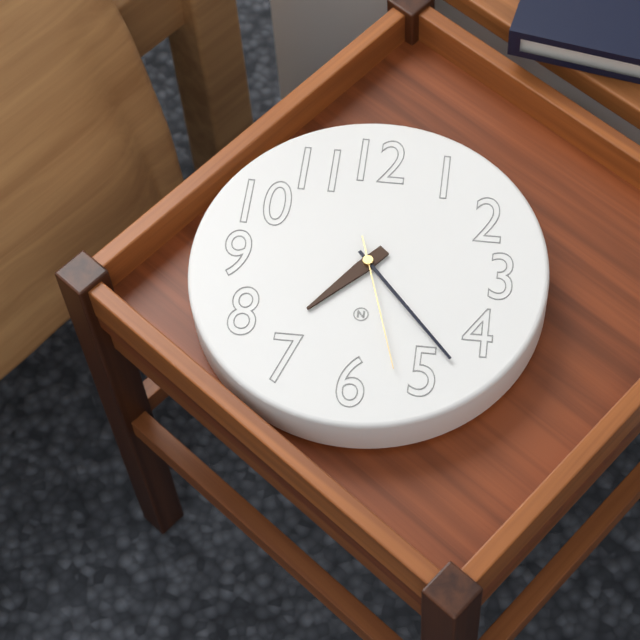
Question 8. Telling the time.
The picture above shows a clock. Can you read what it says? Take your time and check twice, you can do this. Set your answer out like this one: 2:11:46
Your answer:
7:23:27
